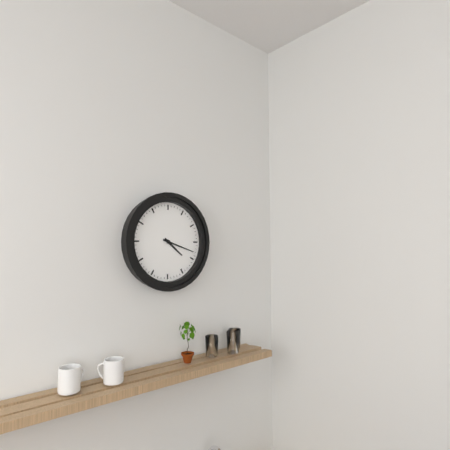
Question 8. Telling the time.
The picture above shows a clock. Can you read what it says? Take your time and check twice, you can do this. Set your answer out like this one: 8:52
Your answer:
4:18
